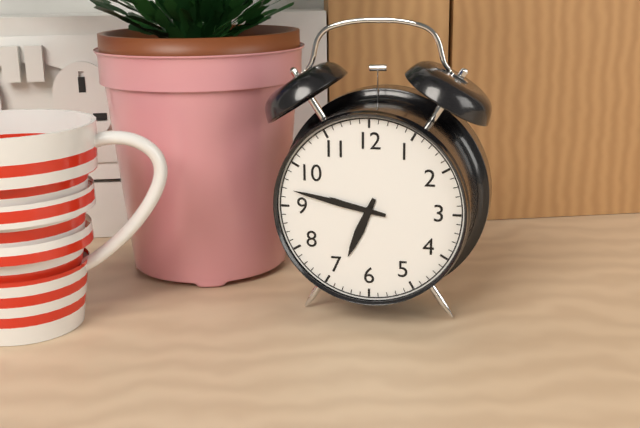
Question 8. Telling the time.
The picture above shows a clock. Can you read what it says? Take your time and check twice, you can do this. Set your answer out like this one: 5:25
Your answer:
6:47
